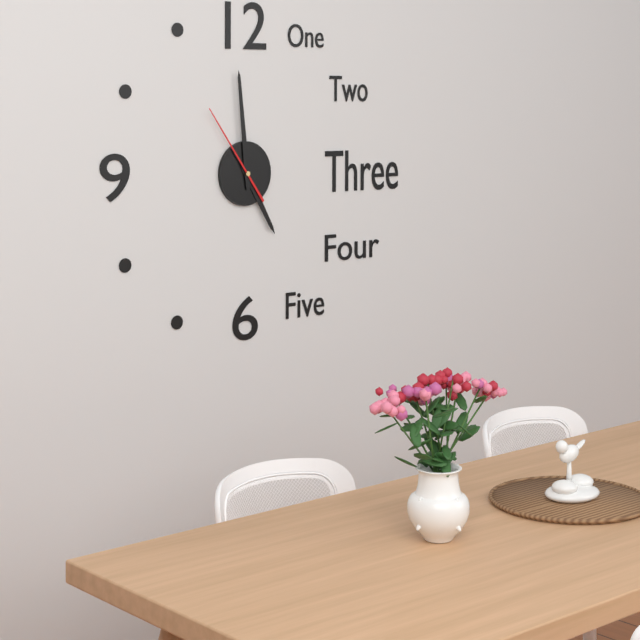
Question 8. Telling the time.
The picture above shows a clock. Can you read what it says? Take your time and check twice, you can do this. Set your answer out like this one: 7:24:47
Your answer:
4:59:54
